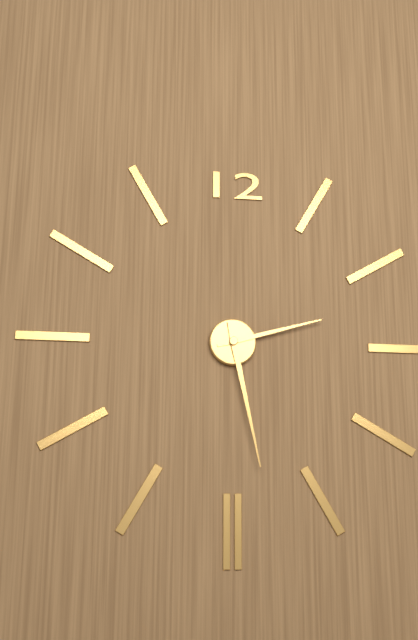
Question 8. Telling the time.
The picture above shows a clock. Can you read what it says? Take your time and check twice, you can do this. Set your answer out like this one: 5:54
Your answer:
2:28
